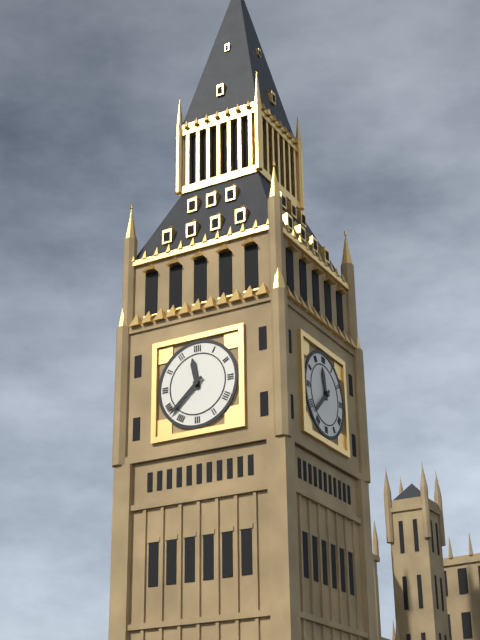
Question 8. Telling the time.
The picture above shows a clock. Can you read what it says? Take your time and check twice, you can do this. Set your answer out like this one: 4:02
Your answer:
11:38
